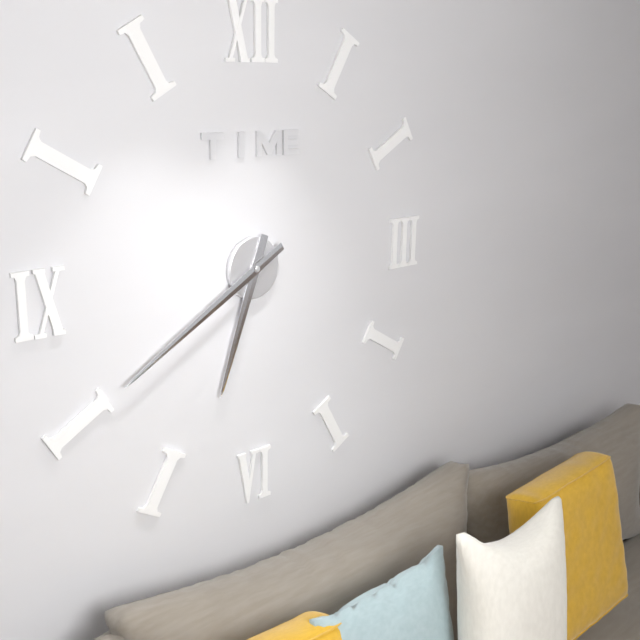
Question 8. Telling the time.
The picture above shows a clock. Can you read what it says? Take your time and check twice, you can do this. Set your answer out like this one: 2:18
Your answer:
6:40
